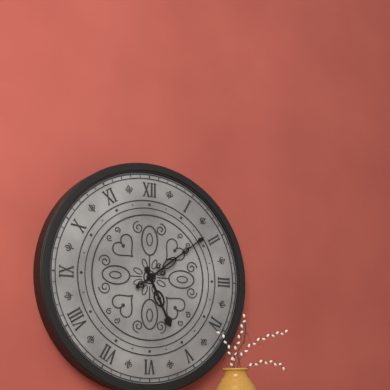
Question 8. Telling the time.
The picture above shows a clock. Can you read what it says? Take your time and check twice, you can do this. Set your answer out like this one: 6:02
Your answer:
5:09
